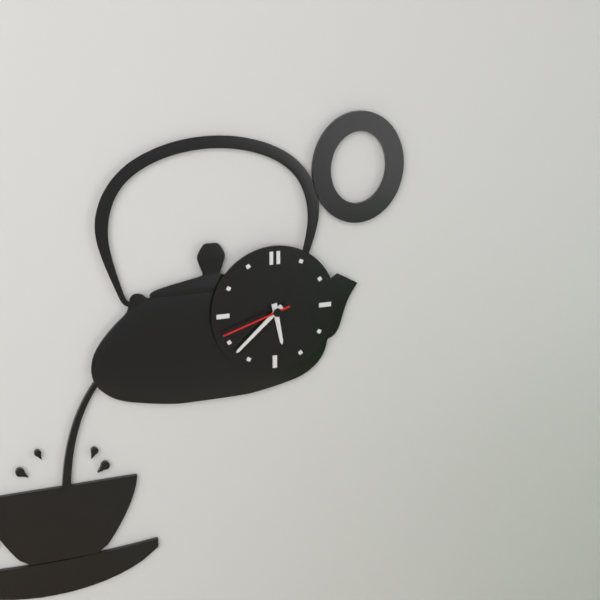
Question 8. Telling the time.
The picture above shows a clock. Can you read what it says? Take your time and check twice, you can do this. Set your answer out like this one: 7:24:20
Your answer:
5:38:42
